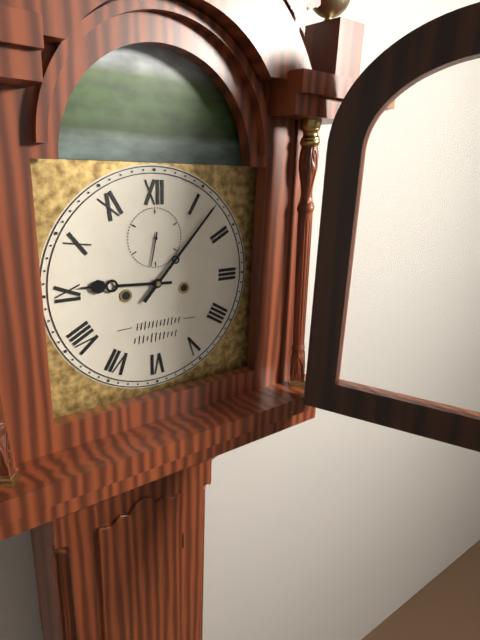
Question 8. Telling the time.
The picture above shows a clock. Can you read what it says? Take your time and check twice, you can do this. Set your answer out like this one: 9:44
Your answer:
9:07
